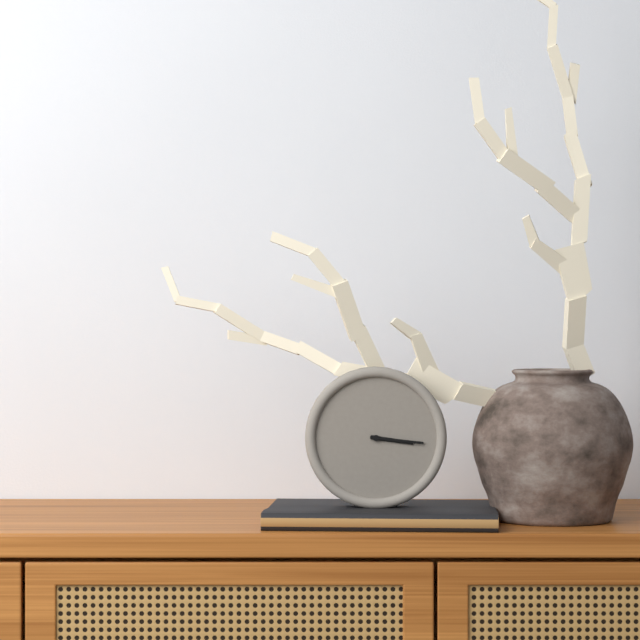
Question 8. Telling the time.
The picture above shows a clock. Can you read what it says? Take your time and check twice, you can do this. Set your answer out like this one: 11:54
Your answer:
3:16
